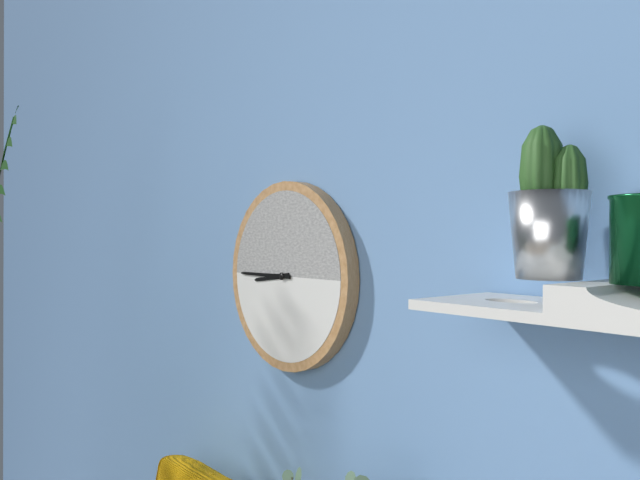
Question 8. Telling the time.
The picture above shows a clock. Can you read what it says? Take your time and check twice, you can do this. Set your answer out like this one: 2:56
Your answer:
8:45
